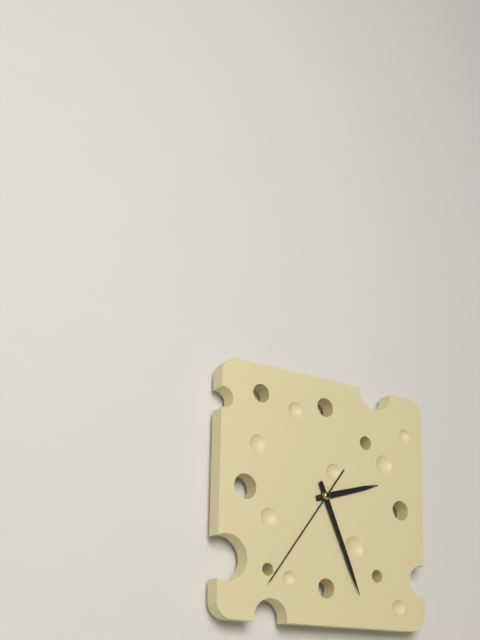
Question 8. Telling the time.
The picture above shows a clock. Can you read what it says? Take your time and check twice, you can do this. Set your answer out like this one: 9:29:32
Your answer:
2:26:36
